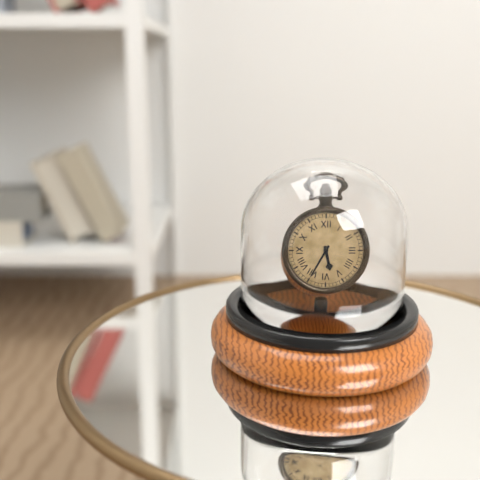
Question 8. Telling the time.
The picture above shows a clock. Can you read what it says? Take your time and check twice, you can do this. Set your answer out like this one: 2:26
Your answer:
5:35
